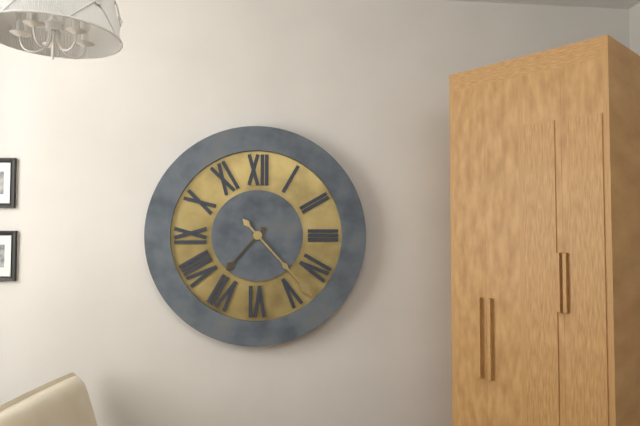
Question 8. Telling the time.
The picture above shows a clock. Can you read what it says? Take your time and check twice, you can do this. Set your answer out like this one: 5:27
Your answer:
7:23
